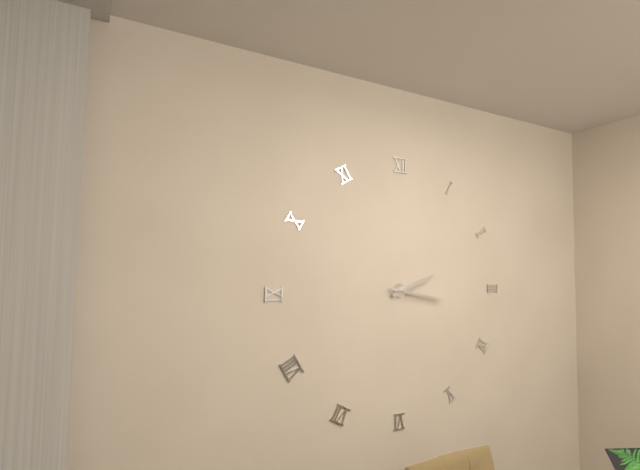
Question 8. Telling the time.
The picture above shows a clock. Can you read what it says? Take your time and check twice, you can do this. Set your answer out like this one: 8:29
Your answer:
2:17
